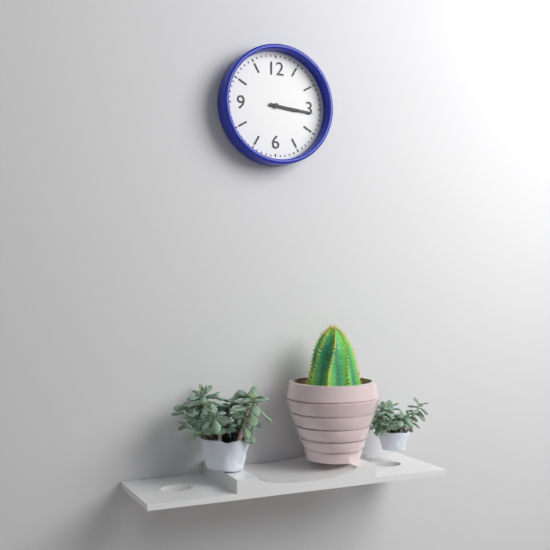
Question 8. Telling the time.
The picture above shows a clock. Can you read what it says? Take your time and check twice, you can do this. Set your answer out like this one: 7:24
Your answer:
3:16
